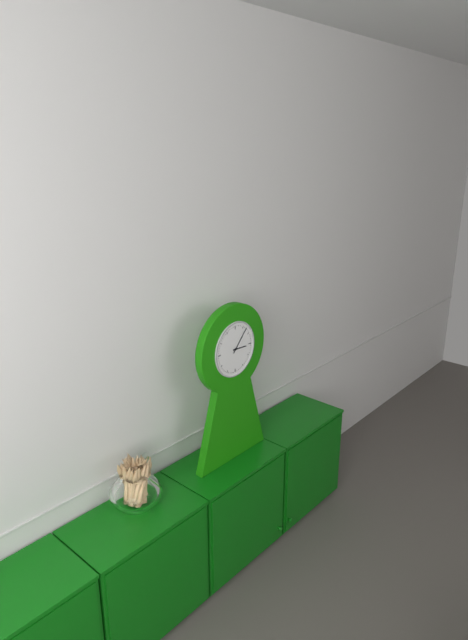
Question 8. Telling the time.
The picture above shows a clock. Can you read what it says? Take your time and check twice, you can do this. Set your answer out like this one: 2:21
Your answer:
3:07
